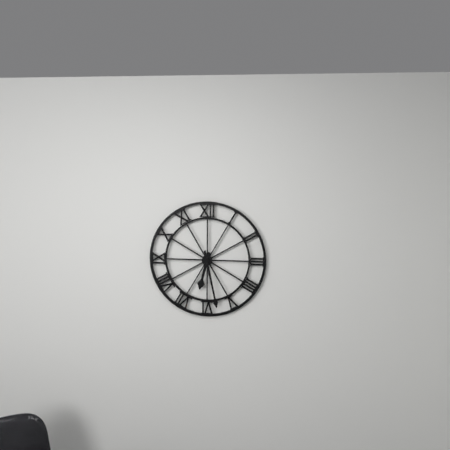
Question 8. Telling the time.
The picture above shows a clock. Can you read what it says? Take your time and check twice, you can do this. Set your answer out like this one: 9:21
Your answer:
6:28
